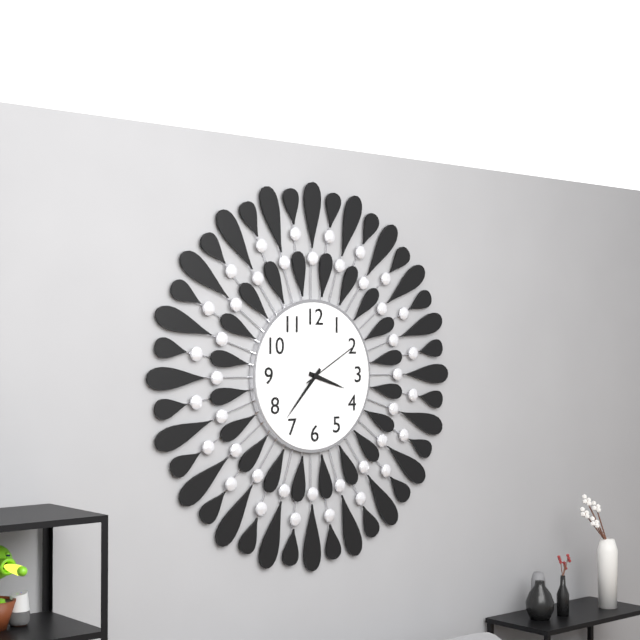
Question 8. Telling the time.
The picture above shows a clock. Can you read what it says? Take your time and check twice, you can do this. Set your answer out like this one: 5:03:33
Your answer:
3:37:10
